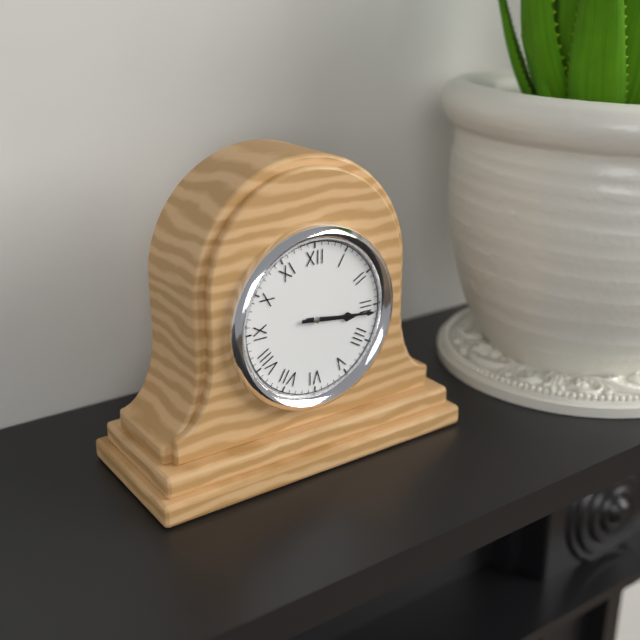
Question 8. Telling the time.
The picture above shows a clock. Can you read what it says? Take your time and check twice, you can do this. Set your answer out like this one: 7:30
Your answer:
3:16
